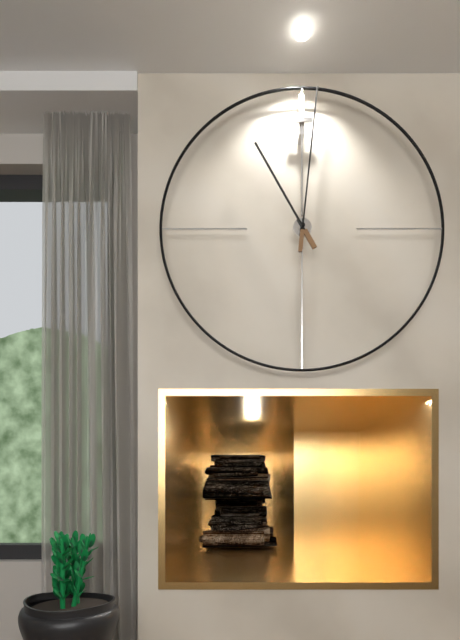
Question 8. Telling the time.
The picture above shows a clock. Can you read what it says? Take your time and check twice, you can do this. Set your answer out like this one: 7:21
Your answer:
11:01
